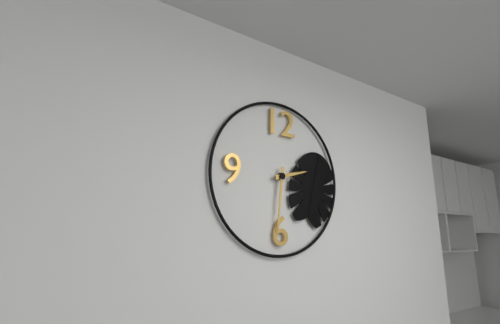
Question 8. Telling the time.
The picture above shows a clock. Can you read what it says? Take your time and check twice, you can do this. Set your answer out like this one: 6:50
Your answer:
2:31
